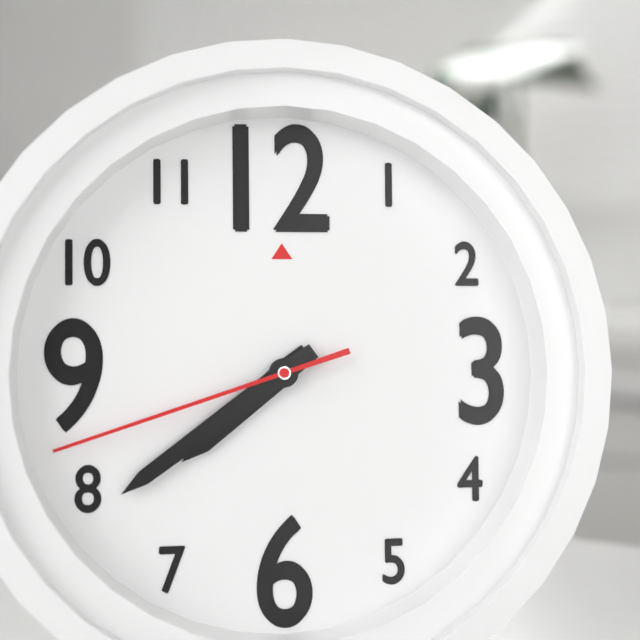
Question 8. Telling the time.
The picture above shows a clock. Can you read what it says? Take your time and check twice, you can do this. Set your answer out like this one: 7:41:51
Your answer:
7:39:42
